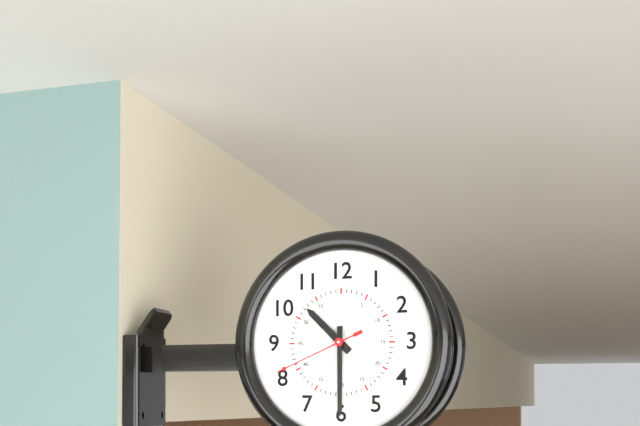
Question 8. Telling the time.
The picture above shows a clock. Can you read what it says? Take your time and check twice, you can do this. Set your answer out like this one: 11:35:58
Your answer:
10:30:41
